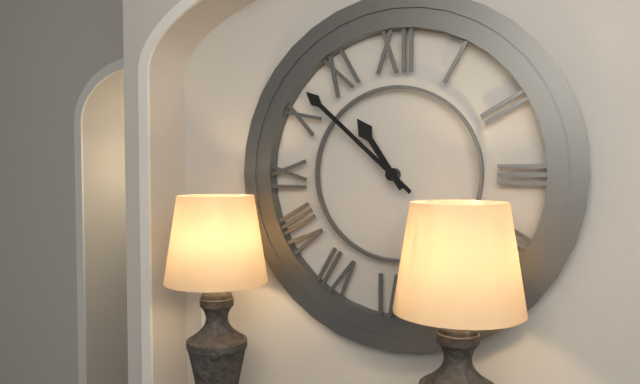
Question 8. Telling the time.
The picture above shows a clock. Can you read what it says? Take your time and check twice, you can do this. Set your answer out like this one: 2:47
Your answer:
10:52
